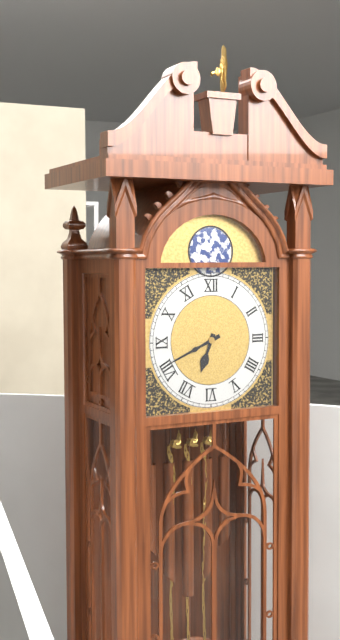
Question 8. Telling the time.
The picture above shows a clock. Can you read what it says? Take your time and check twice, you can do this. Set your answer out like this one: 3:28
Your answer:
6:41
